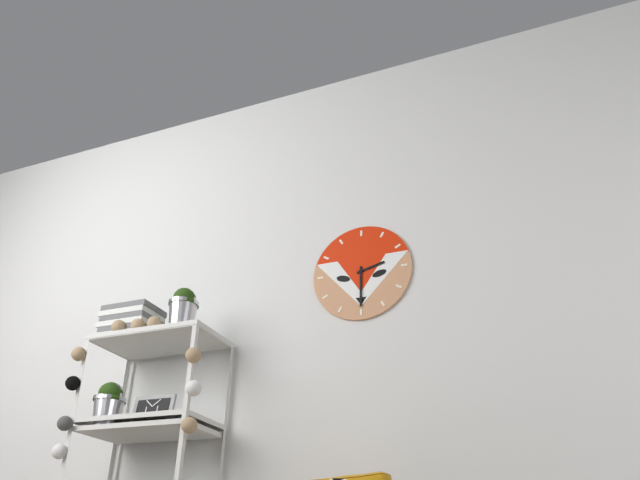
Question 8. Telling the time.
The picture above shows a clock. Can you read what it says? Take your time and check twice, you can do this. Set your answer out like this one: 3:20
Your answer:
2:30
